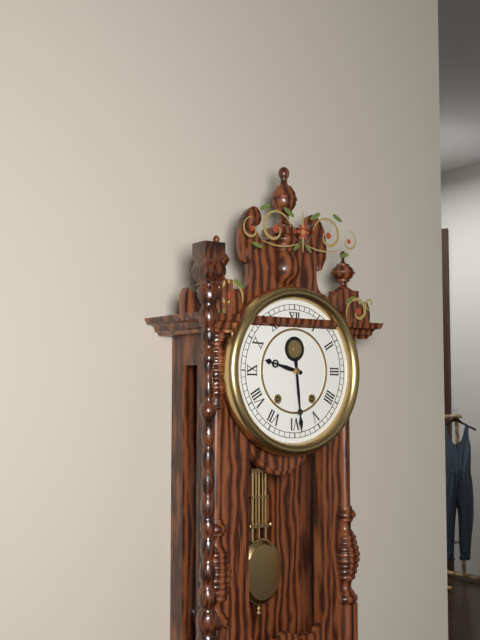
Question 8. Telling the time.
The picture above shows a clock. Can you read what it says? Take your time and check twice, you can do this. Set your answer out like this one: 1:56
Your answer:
9:29
